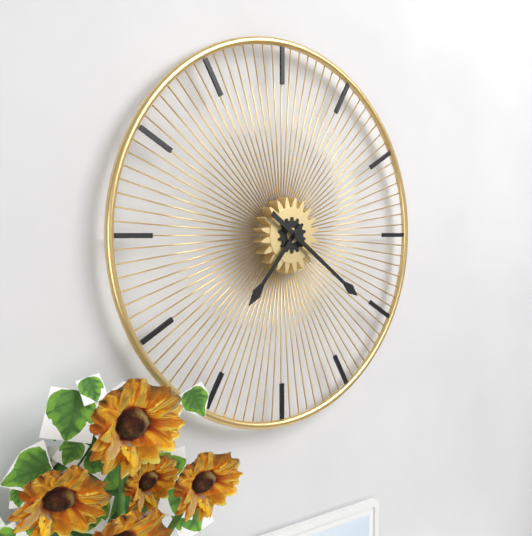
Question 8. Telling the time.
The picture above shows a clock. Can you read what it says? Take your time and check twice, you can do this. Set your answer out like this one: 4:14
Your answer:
7:21
